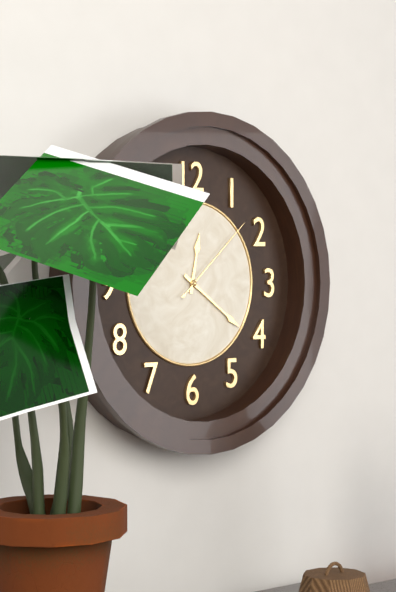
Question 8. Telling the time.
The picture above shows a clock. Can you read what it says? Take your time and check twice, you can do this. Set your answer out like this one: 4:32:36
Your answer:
12:21:08
